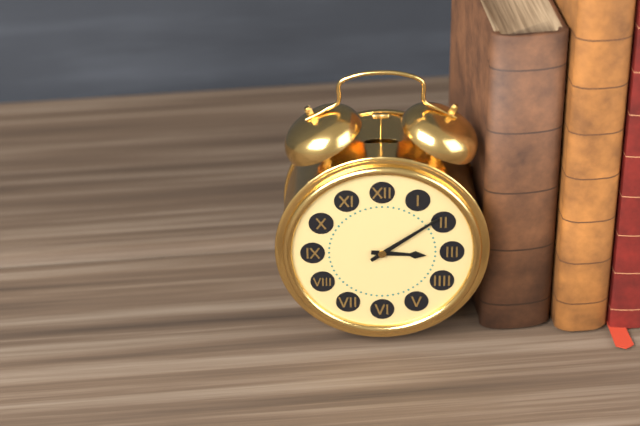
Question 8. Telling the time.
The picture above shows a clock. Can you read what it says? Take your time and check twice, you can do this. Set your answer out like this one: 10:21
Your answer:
3:09
